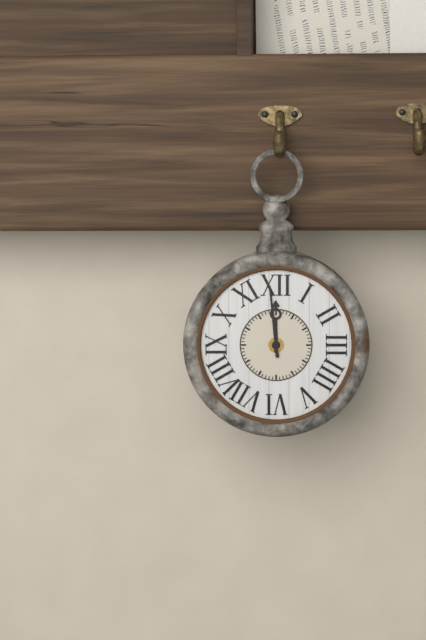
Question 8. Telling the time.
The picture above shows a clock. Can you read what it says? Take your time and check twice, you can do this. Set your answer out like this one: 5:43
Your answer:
11:59
